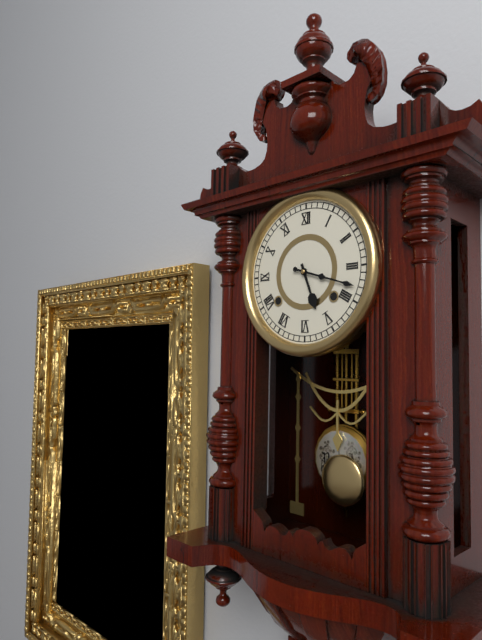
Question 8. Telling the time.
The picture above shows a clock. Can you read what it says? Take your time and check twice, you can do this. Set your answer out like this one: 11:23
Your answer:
5:18
